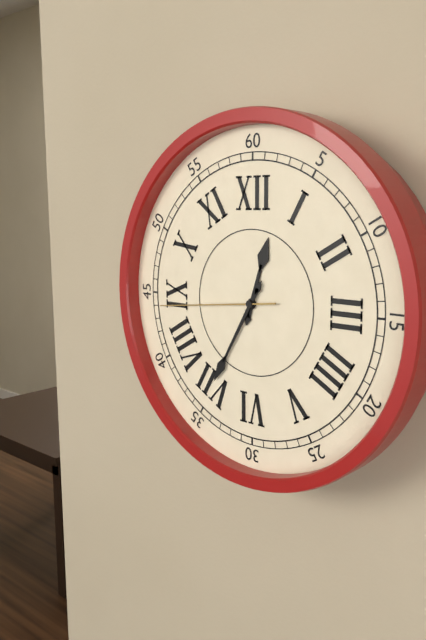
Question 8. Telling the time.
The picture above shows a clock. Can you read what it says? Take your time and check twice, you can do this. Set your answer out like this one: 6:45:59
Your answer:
12:35:44
